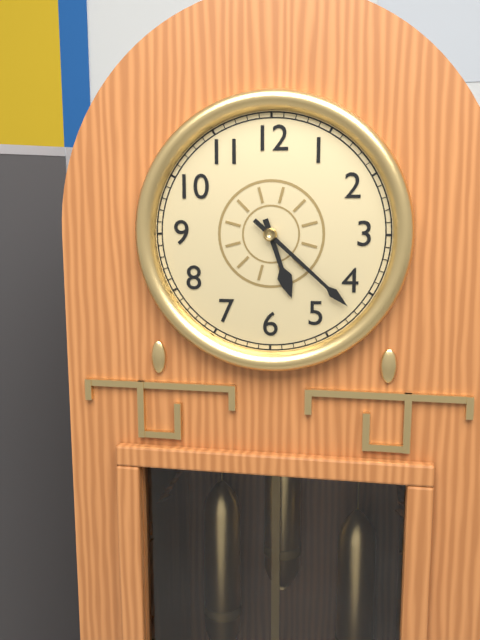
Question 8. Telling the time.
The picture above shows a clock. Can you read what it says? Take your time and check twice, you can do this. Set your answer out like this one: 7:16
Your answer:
5:22
